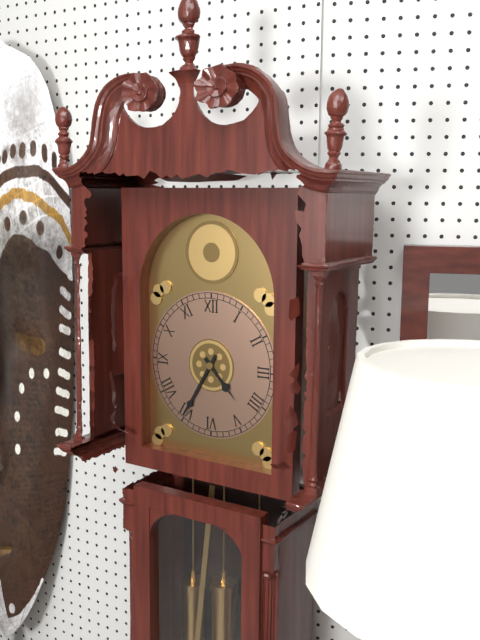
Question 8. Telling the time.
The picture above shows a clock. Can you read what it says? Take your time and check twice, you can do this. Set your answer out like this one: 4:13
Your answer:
4:35
